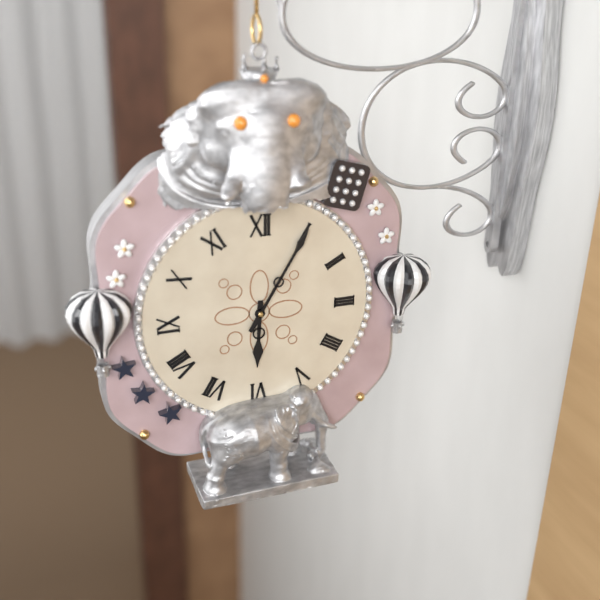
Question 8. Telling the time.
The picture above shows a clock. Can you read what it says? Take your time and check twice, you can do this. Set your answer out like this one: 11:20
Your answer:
6:05
